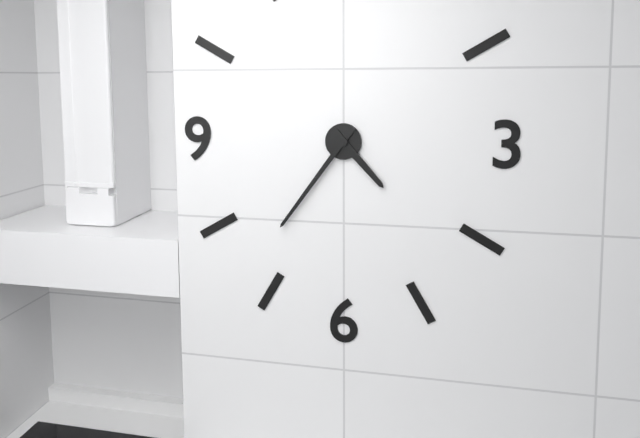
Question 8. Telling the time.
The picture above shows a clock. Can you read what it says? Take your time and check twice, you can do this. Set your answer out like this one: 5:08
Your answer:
4:36
